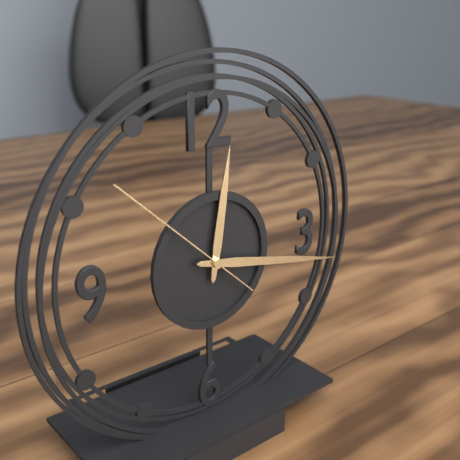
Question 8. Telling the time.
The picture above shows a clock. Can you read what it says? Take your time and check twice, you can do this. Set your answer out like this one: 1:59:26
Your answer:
12:17:52
